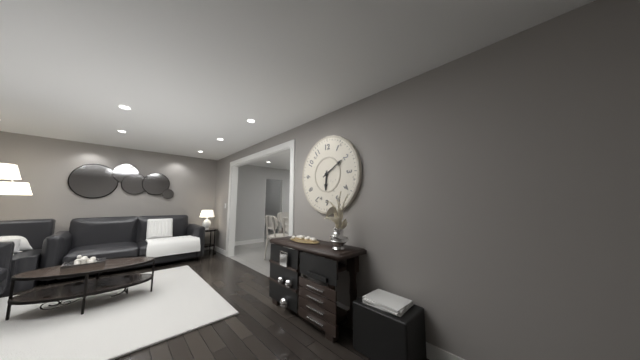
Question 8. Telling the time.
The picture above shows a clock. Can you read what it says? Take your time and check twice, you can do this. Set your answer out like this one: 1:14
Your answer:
6:10
